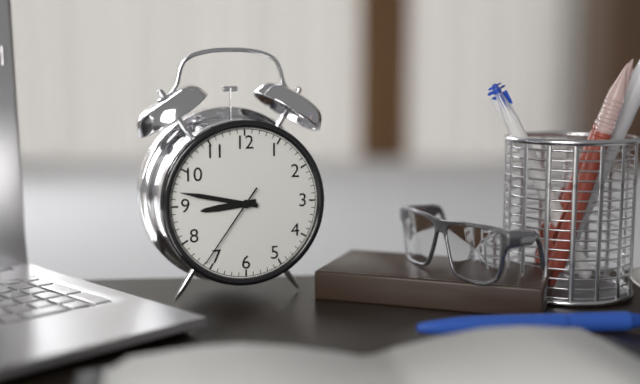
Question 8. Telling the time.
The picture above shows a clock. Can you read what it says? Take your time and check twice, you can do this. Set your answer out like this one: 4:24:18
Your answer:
8:47:36
